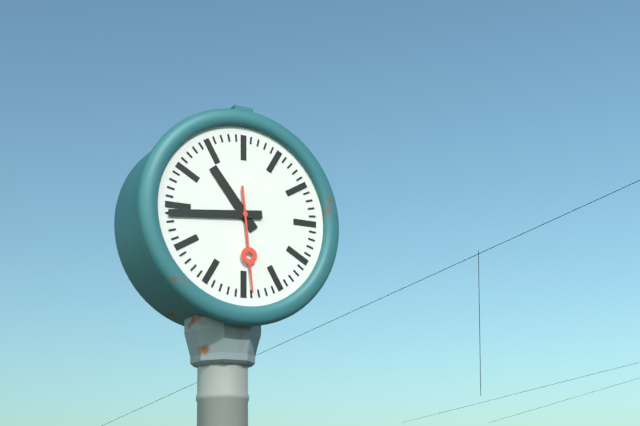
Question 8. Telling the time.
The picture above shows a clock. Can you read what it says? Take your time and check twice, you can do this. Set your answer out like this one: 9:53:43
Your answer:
10:44:29
